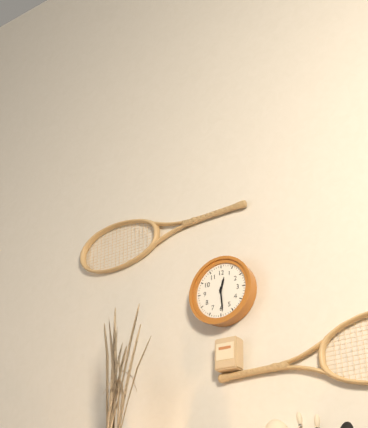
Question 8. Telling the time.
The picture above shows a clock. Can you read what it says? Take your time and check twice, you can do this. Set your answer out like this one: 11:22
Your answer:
12:29
